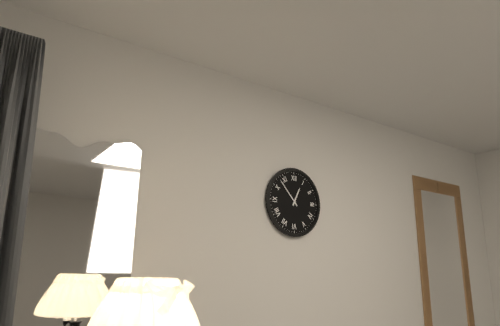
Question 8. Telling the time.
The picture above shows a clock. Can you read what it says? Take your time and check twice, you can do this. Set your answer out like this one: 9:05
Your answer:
12:53
